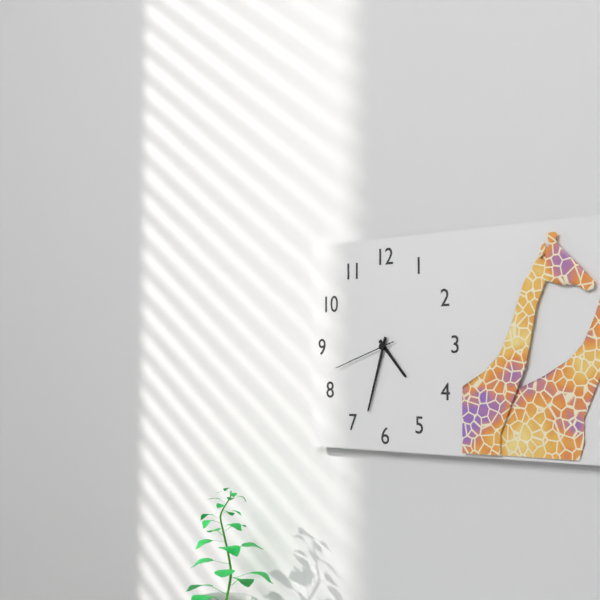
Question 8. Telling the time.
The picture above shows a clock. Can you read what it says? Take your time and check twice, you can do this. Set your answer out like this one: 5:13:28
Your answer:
4:33:42
